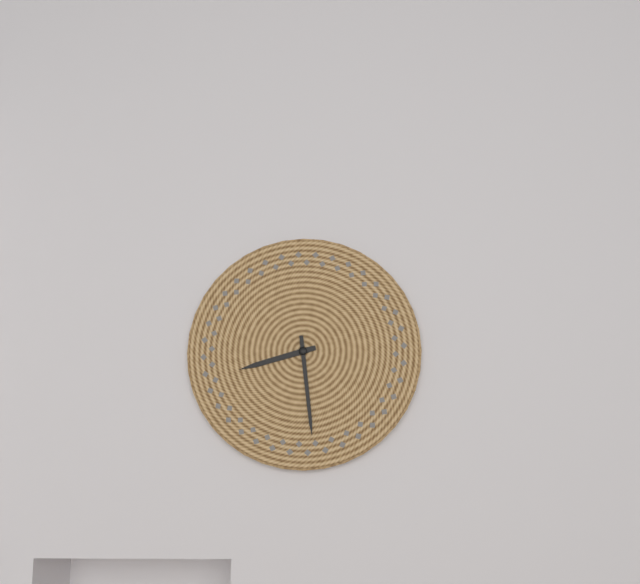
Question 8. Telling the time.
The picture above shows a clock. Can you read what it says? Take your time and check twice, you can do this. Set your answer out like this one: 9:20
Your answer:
8:29
